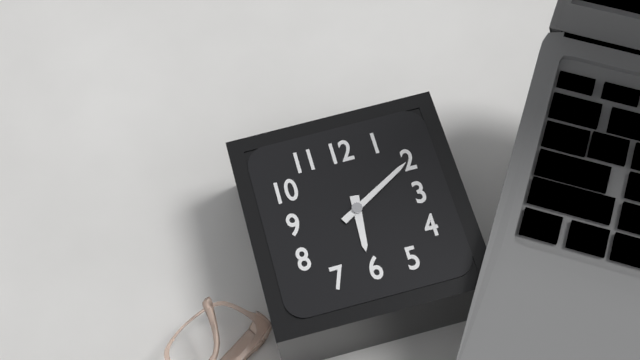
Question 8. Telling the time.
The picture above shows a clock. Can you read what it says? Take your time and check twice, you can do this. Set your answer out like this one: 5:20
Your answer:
6:10
